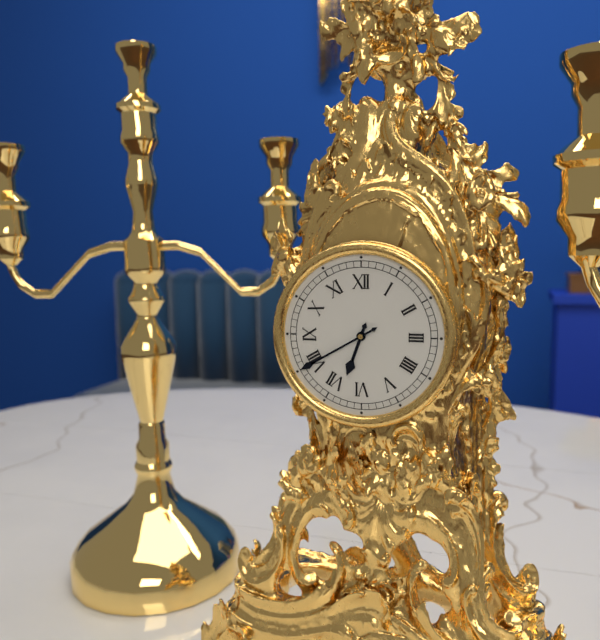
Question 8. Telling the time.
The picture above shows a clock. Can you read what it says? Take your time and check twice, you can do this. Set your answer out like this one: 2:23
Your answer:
6:40
